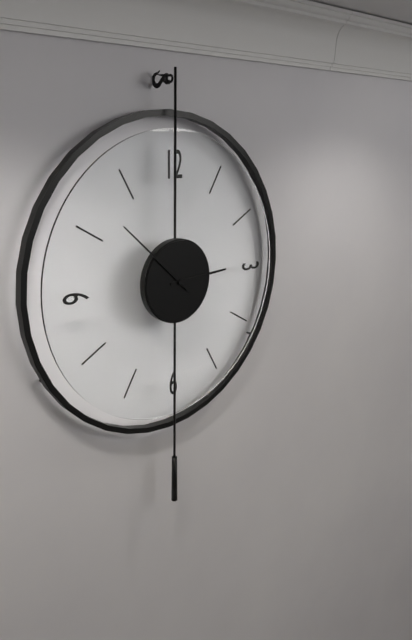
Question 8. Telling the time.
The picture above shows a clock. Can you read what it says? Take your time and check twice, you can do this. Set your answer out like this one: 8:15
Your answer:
2:52
